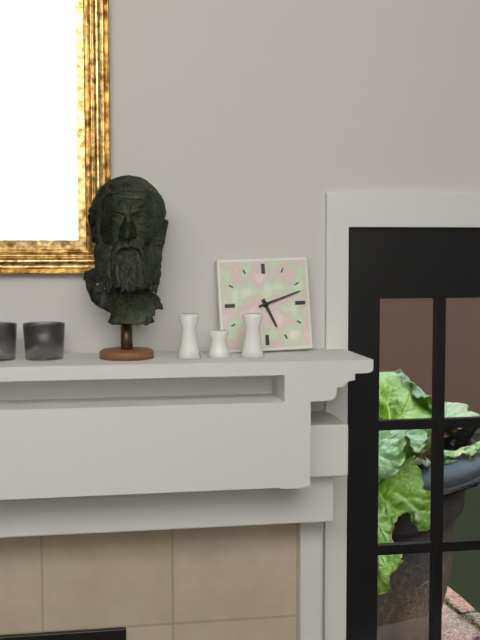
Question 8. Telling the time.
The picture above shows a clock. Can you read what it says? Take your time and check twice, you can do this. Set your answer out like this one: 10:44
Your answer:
5:12
